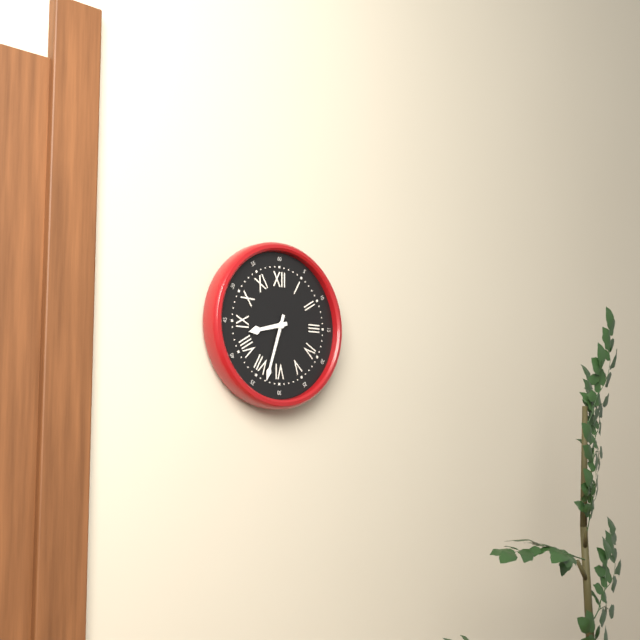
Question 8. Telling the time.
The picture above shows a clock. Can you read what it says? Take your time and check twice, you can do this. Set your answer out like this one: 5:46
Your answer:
8:33
